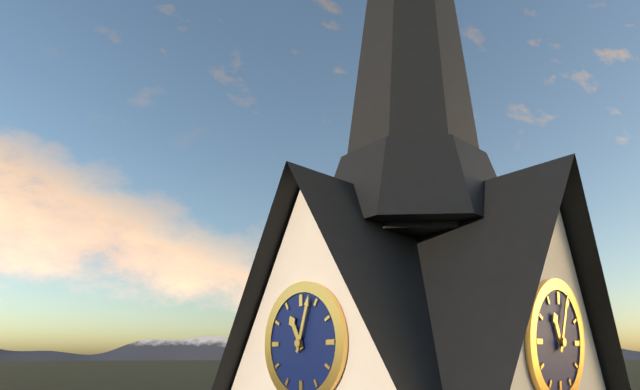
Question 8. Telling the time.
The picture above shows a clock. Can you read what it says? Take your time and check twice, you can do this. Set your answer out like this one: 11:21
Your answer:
11:03
